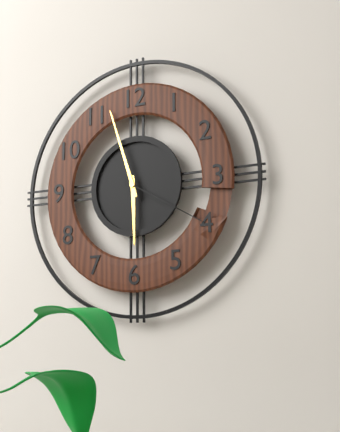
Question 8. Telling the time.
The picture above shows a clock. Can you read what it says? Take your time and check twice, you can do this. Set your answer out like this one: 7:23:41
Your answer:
5:57:20
